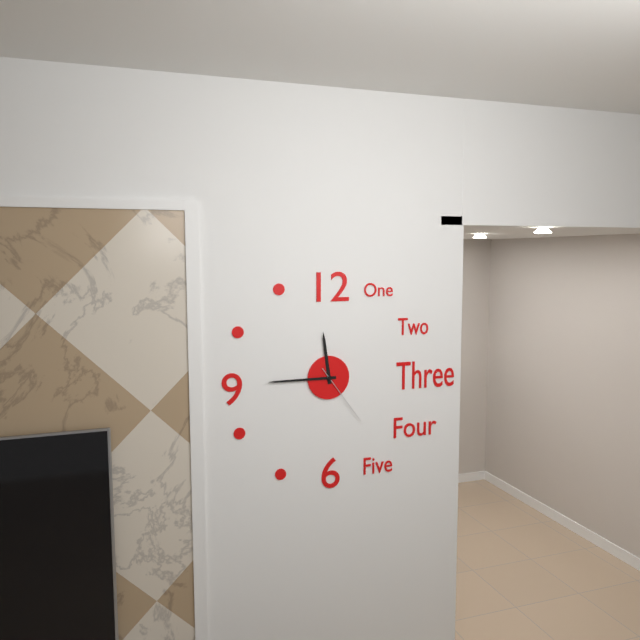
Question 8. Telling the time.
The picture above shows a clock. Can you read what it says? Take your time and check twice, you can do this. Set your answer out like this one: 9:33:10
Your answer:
11:45:24
